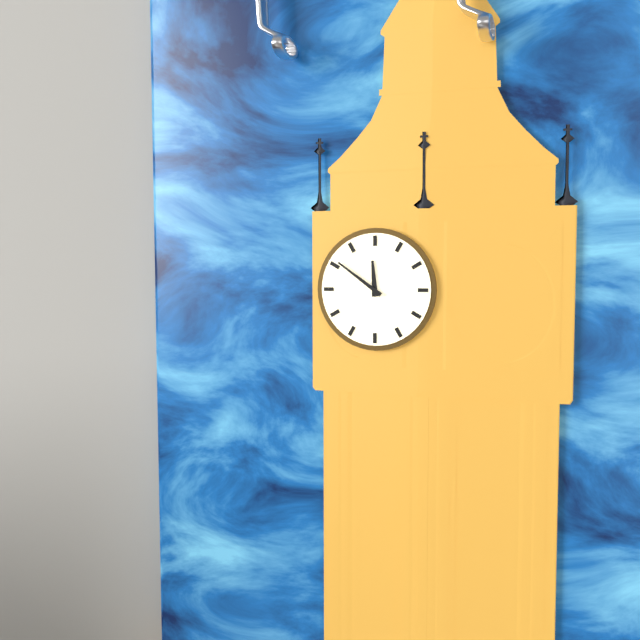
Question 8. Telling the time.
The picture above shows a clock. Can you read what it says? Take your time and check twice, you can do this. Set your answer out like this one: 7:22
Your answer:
11:51
